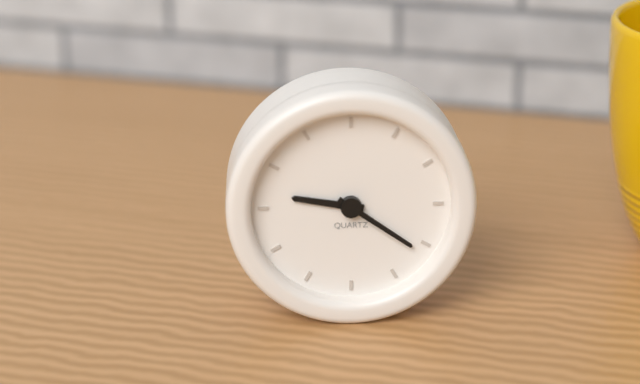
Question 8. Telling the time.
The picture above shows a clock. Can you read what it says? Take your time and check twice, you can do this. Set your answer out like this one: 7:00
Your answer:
9:21
